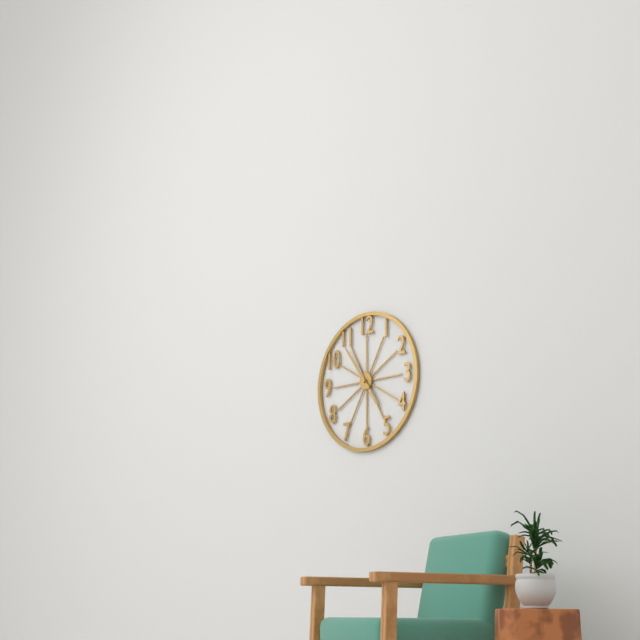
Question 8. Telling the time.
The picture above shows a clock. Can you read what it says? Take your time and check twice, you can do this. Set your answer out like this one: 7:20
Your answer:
4:54
